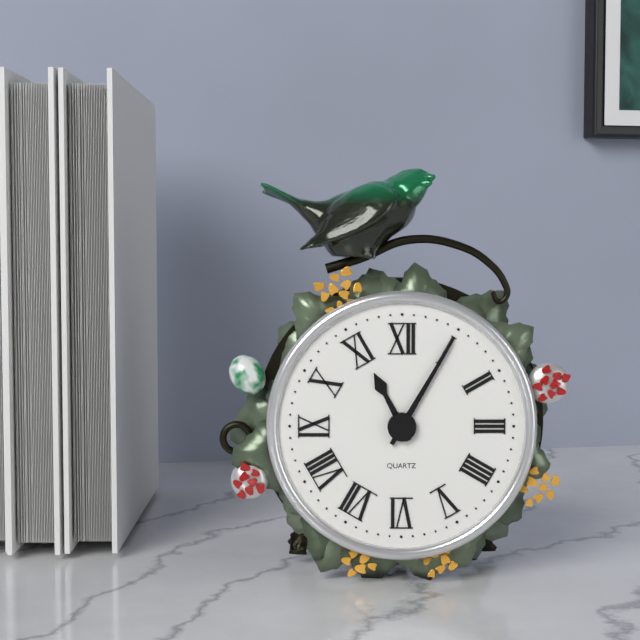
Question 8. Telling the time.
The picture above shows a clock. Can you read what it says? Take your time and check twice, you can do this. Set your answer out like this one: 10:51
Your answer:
11:05
